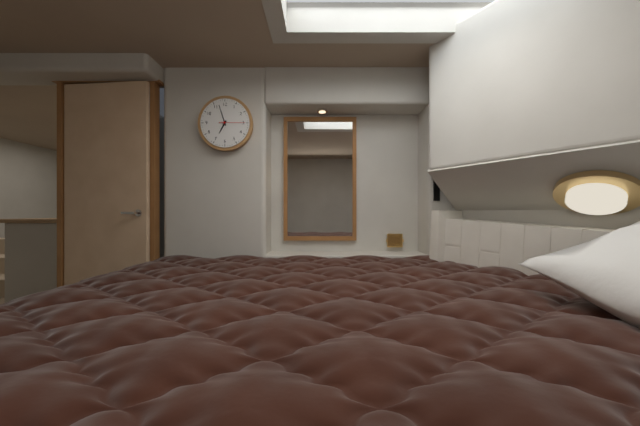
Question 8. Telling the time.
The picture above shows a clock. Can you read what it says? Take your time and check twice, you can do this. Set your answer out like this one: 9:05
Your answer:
6:57
